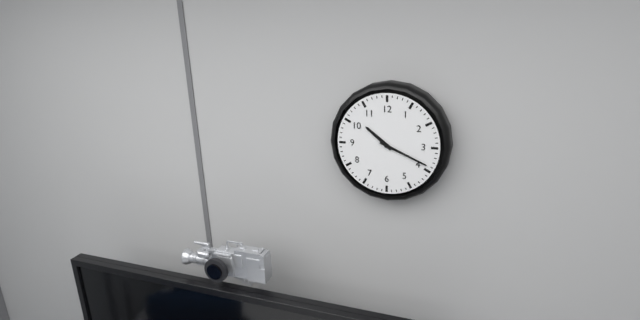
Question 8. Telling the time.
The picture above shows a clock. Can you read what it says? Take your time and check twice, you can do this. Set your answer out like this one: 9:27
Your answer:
10:19
